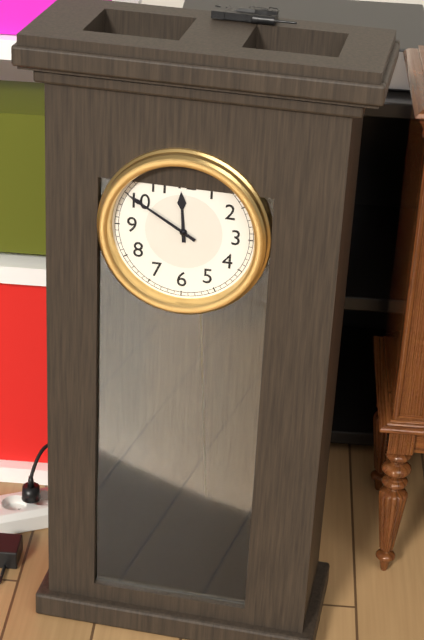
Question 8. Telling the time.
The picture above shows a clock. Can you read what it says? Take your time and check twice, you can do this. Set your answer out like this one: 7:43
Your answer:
11:50
